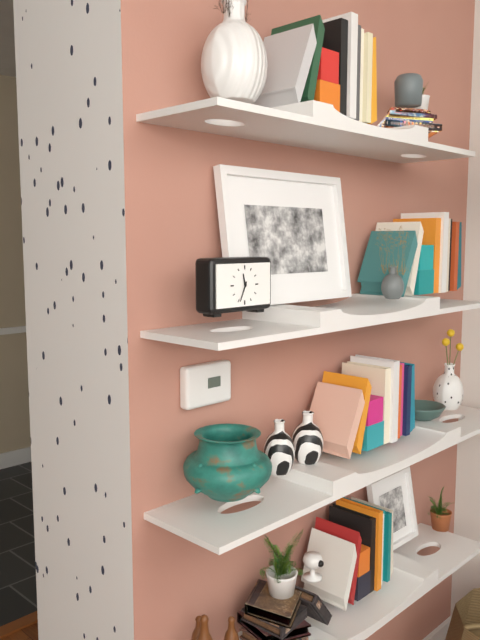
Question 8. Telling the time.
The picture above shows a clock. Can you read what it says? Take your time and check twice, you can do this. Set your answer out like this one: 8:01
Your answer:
11:34
